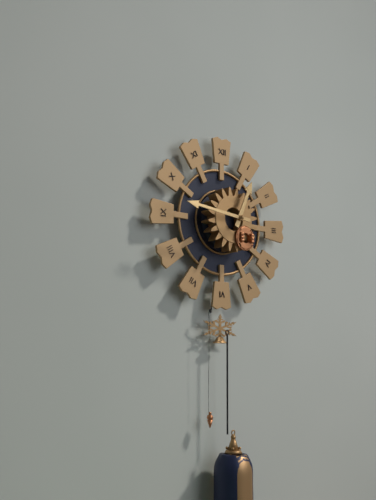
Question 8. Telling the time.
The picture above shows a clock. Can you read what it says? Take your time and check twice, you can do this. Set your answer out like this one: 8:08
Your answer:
12:46
